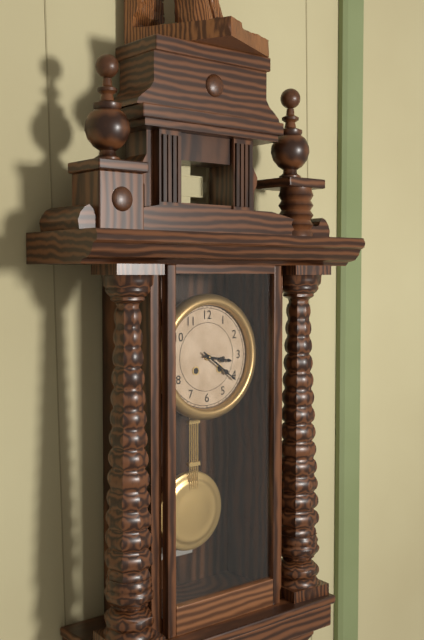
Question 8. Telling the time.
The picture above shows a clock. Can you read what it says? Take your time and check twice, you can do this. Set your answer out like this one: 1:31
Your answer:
3:21
